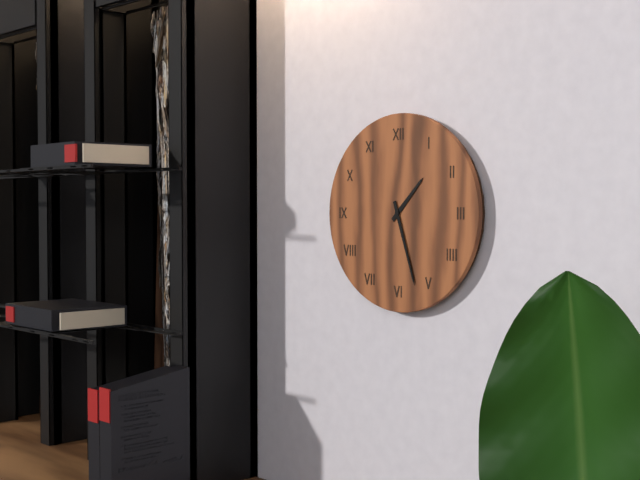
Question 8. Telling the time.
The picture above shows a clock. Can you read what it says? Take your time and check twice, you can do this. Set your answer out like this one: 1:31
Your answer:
1:27
